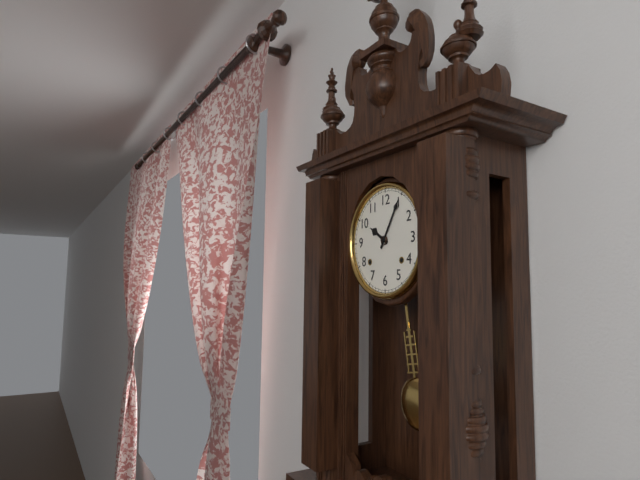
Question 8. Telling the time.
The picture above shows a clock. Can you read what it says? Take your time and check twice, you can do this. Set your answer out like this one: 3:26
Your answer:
10:05
